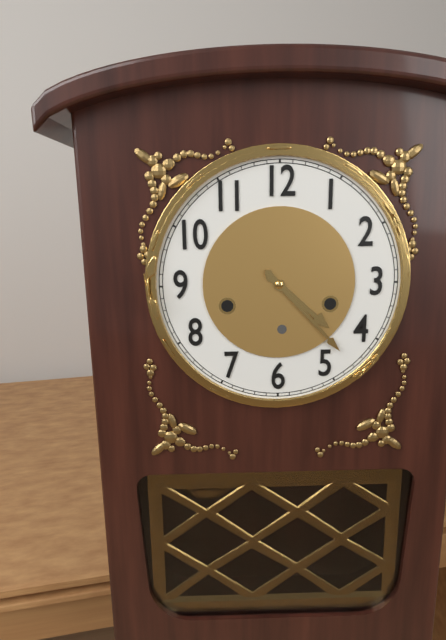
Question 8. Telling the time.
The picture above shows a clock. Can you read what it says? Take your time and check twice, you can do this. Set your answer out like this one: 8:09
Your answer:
4:23
